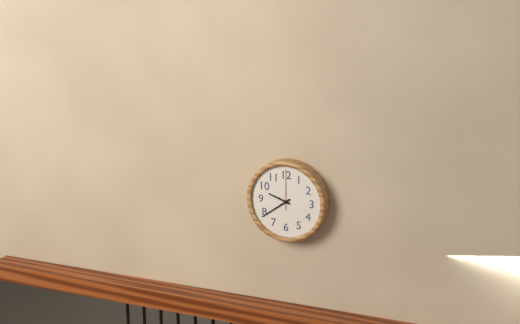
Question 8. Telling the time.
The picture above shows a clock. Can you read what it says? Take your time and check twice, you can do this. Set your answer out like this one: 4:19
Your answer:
9:39
